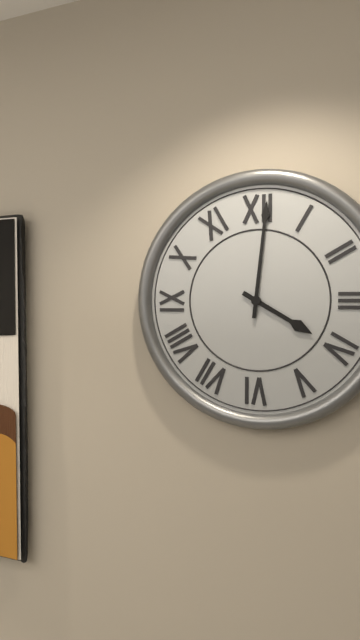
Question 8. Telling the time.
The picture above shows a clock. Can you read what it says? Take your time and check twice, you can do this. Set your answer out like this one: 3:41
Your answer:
4:01
